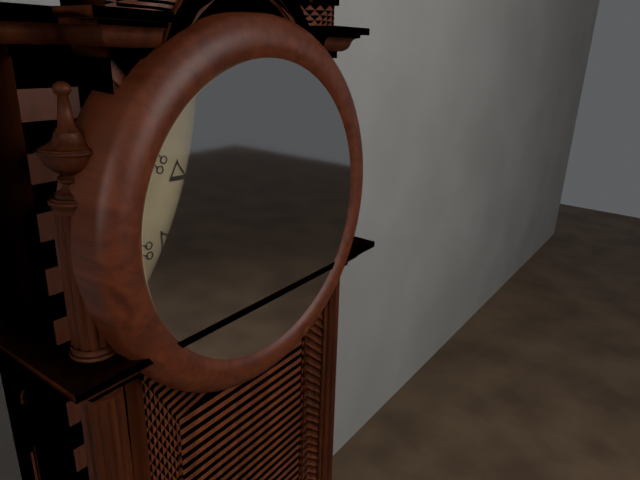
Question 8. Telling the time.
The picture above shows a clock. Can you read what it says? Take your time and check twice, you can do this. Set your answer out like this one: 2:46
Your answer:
4:34
